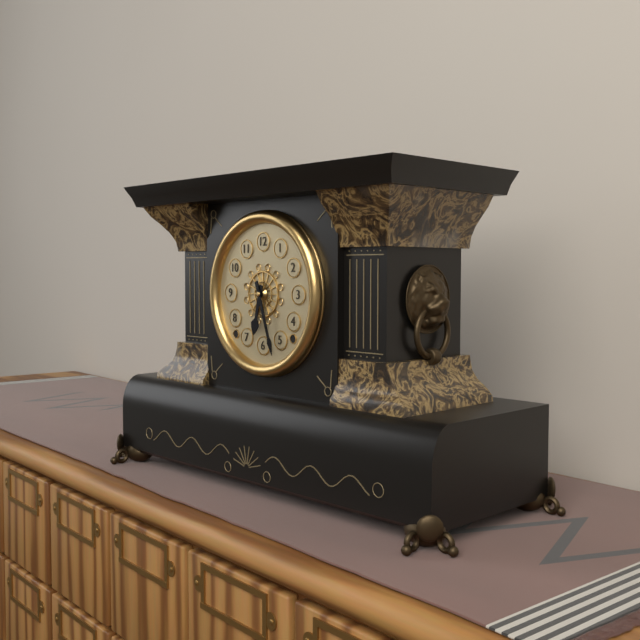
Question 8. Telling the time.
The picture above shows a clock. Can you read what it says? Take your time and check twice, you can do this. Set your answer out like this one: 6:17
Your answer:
6:27
